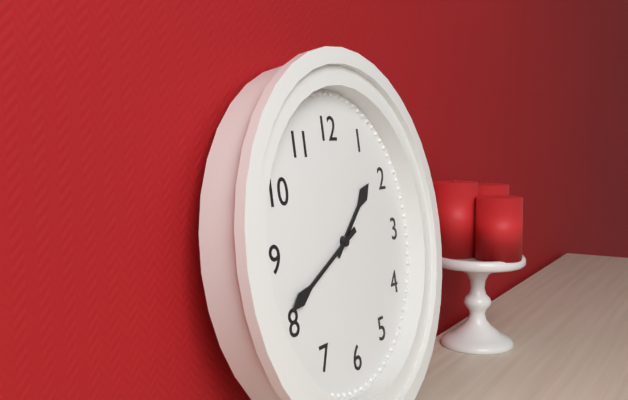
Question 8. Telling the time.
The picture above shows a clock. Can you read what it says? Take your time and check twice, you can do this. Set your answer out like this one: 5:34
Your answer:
1:41
